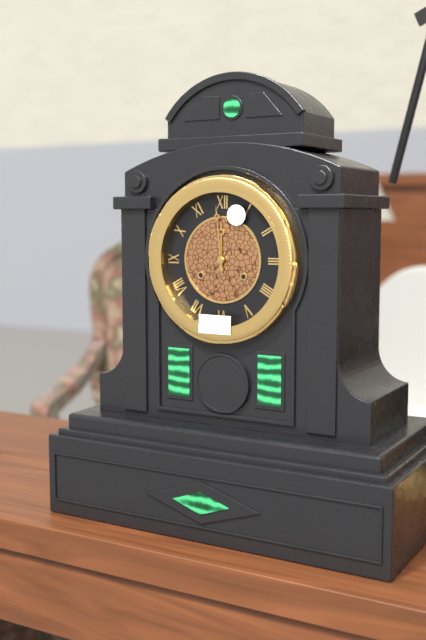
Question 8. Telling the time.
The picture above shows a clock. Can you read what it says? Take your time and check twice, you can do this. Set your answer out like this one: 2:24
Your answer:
11:59
